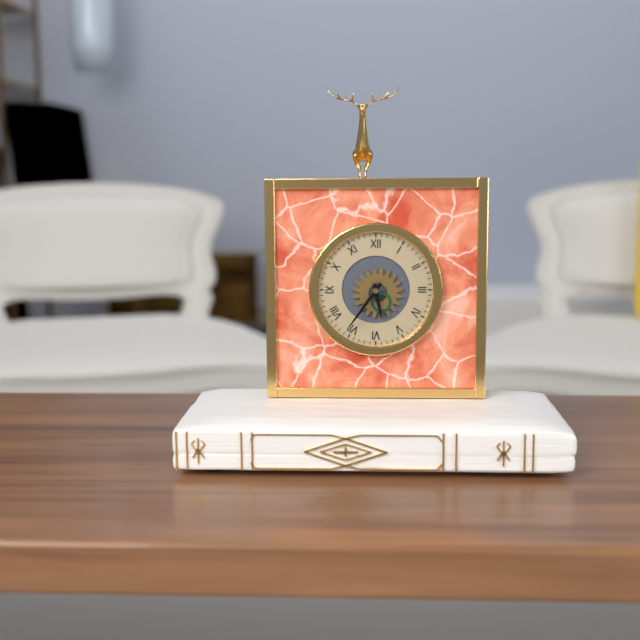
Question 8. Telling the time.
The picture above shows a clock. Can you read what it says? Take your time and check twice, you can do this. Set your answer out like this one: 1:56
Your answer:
5:36
